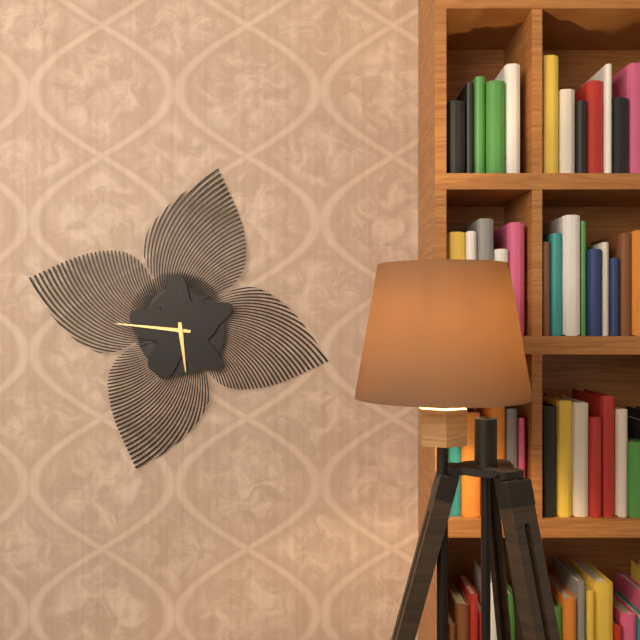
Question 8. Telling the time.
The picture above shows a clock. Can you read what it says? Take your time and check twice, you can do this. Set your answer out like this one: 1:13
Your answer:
5:46
